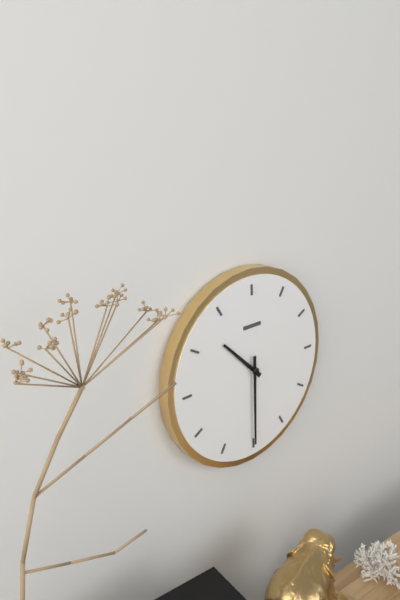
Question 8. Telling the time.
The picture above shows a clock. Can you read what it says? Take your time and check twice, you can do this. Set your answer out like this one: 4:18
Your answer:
10:30
